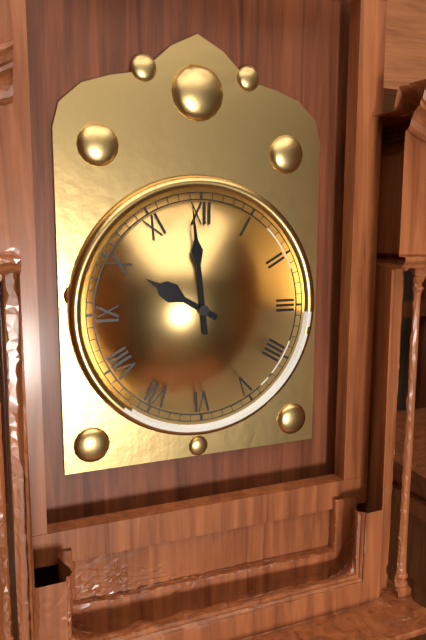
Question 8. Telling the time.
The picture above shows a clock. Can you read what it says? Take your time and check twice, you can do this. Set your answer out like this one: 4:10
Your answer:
9:59
